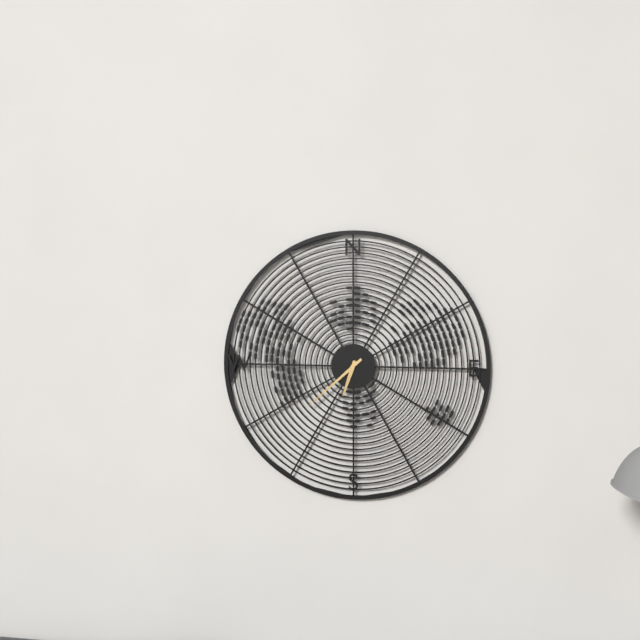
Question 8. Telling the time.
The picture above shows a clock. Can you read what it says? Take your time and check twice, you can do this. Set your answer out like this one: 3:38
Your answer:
6:38
